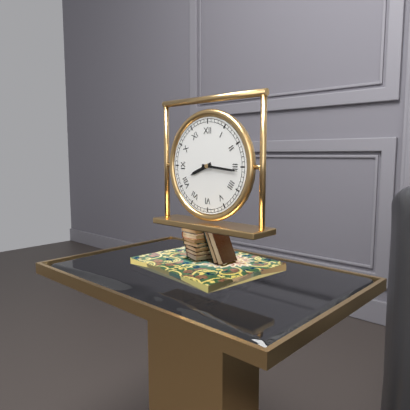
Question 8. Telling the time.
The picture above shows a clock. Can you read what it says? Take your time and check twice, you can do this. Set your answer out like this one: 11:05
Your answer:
8:16
